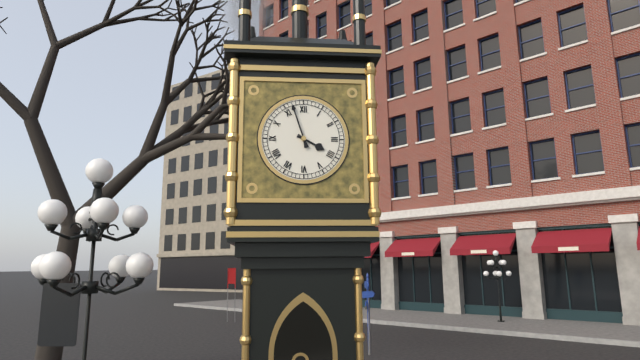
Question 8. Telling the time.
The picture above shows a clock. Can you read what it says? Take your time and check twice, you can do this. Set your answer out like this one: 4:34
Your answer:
3:57
